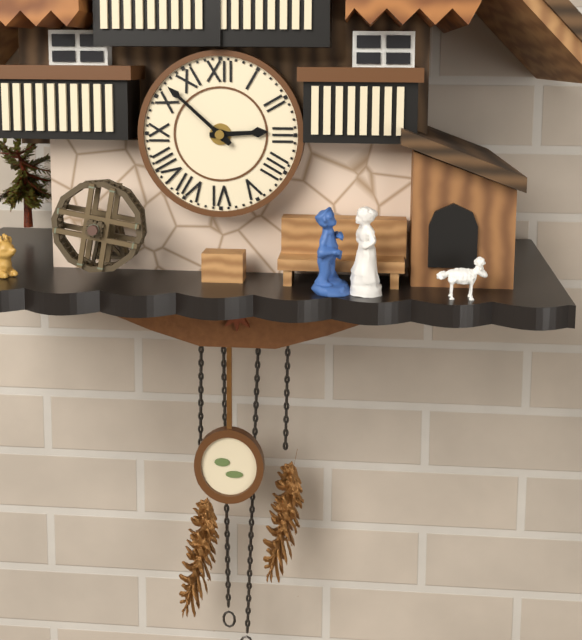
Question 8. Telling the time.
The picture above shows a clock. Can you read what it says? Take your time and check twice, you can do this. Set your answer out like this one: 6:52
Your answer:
2:52
